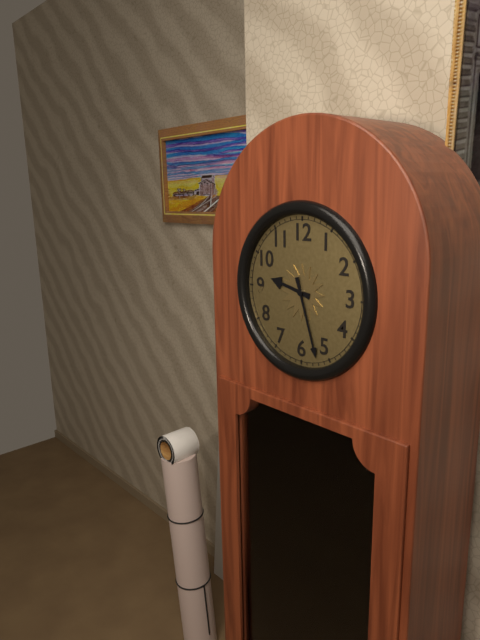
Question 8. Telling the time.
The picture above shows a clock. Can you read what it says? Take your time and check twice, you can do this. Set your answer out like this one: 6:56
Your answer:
9:27
